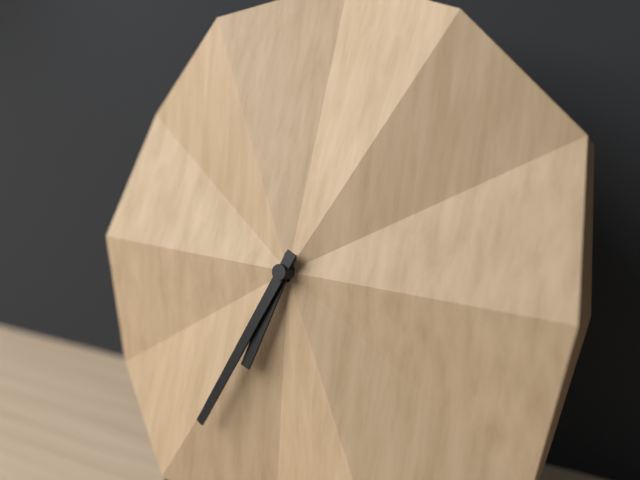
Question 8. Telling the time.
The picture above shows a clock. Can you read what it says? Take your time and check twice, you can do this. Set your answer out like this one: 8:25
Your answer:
6:34
